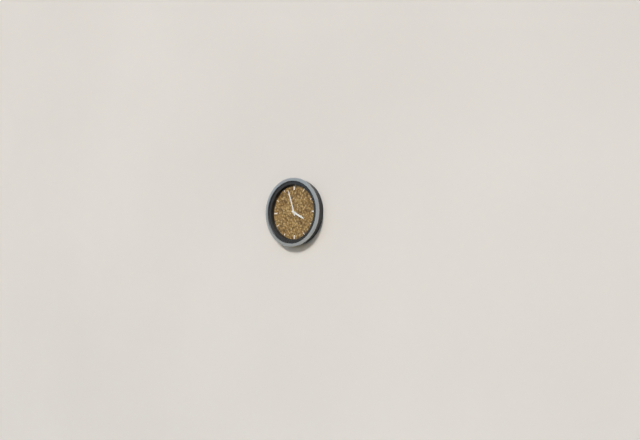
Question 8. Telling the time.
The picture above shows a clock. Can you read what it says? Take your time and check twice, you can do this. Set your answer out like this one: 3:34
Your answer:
3:57
